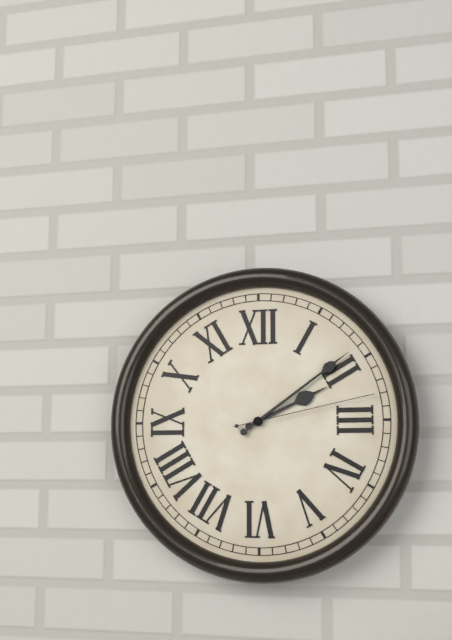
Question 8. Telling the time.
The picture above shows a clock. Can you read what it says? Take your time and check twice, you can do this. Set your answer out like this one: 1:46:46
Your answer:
2:09:13
